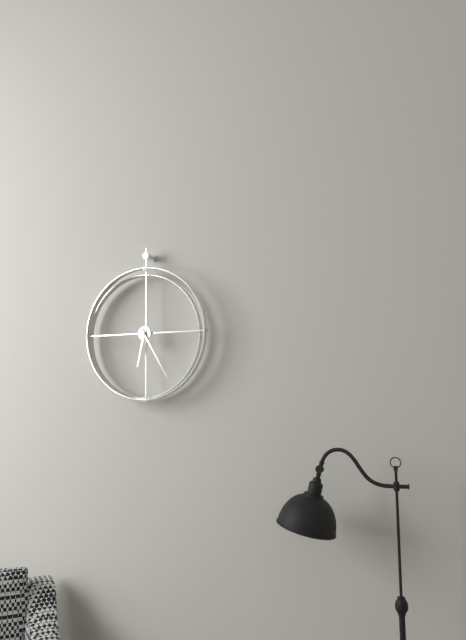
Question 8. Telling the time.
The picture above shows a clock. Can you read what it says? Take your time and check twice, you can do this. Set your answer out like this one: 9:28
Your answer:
6:25
